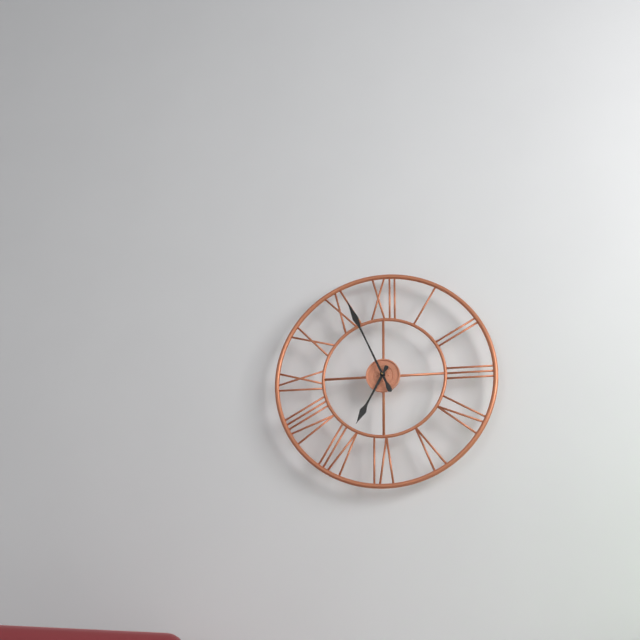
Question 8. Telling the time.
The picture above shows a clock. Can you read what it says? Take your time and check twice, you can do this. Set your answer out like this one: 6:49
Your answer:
6:56
